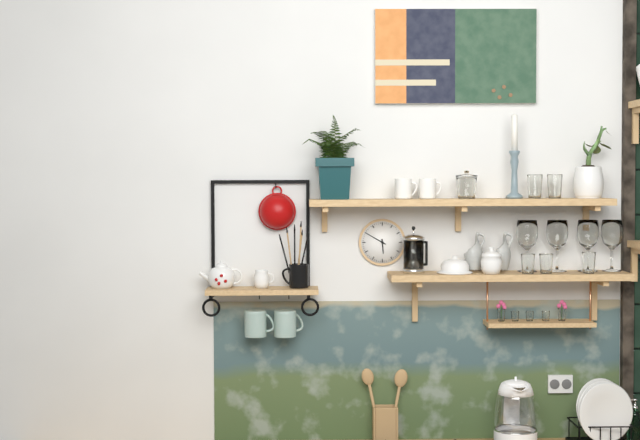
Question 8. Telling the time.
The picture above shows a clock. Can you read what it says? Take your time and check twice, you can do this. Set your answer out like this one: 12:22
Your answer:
5:50
